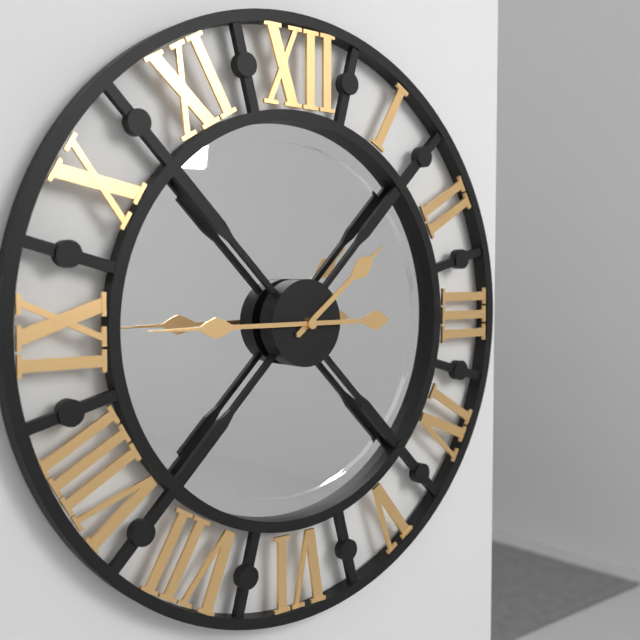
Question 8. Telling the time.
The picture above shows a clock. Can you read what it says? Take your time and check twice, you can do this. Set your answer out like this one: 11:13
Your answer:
1:45
